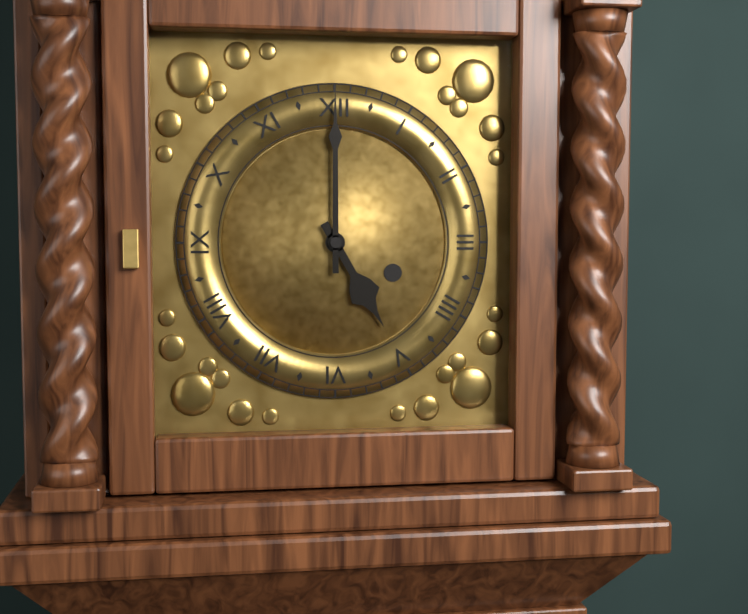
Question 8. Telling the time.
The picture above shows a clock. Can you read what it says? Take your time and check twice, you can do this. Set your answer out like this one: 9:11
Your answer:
5:00
